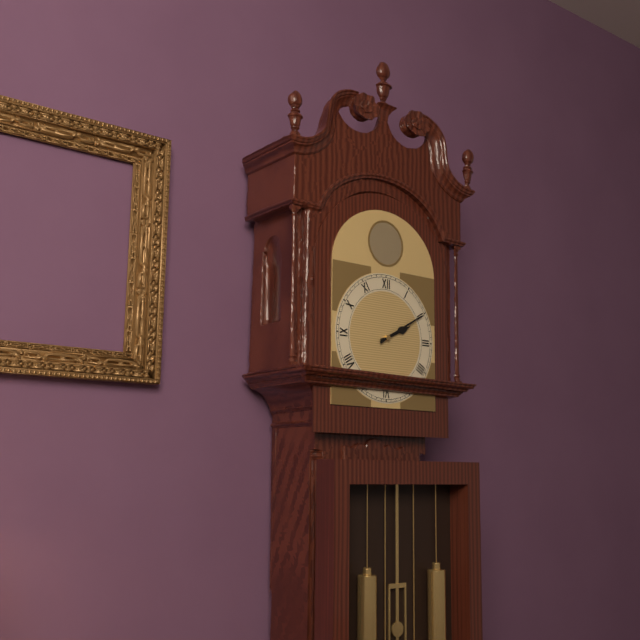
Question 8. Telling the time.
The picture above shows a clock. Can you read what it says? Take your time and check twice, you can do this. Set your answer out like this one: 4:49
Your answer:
2:10
